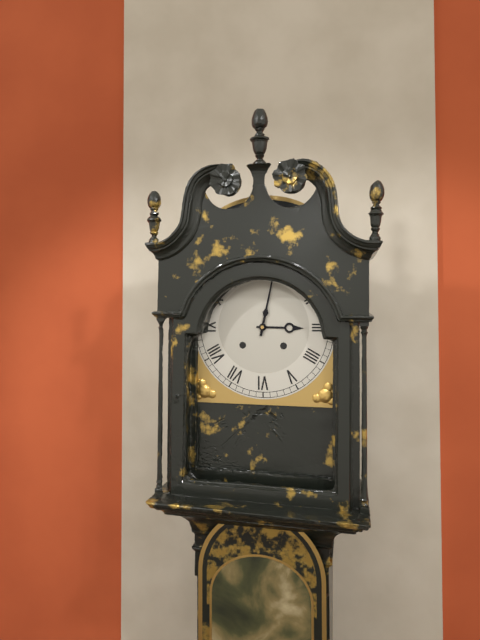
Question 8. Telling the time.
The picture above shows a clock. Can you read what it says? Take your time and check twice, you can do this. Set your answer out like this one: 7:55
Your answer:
3:02
